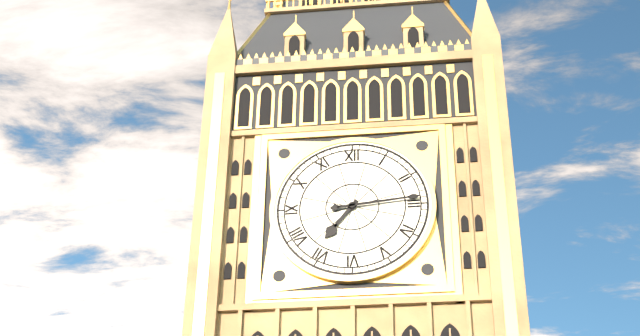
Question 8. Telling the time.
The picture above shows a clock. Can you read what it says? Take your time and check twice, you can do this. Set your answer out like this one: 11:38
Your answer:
7:14
